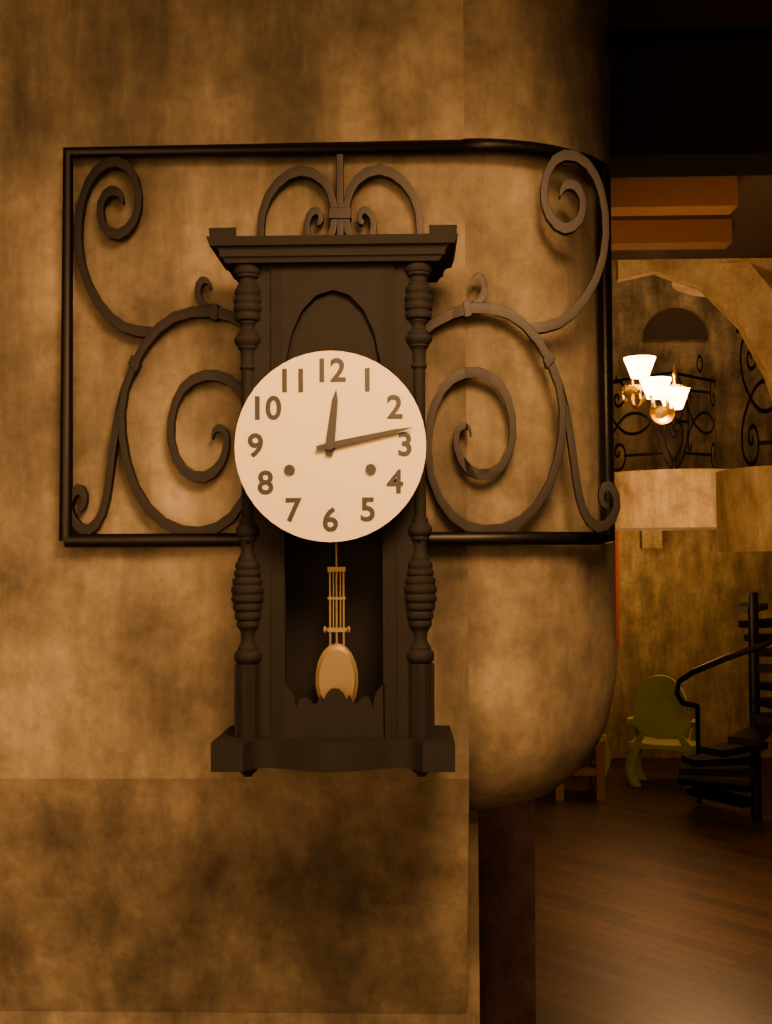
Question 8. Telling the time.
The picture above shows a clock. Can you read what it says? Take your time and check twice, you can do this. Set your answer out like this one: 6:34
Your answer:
12:13
